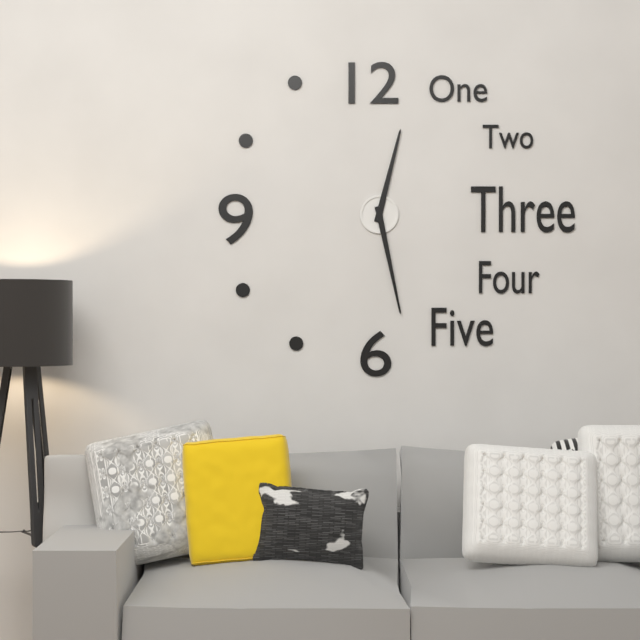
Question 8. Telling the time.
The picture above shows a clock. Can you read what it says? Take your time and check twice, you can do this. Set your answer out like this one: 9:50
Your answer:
12:28
